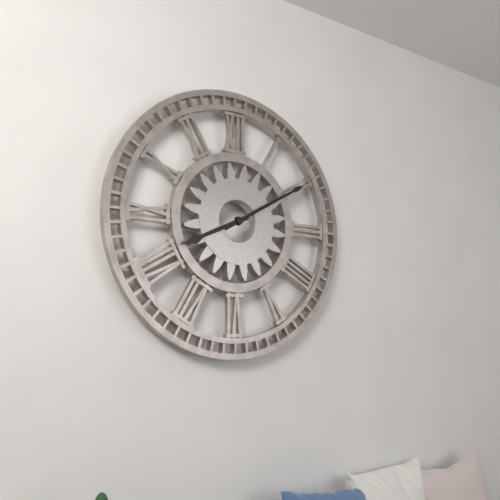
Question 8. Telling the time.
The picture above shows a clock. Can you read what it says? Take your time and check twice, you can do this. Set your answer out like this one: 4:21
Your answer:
8:10
